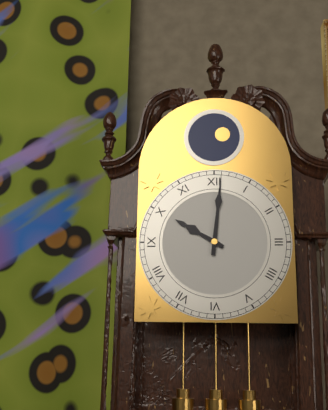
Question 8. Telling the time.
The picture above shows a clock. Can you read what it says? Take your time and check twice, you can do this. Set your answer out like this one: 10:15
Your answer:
10:01
